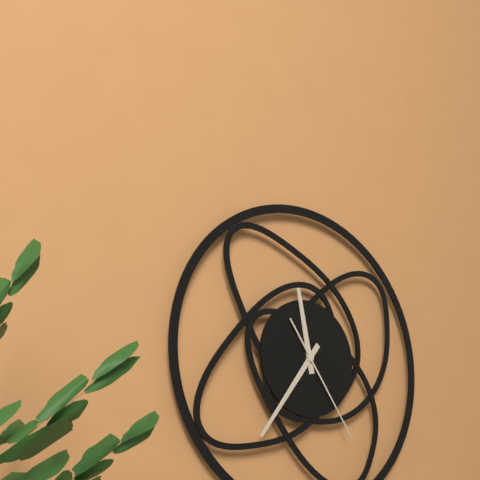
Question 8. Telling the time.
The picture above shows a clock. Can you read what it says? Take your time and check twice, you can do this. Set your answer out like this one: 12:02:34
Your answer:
11:36:24
